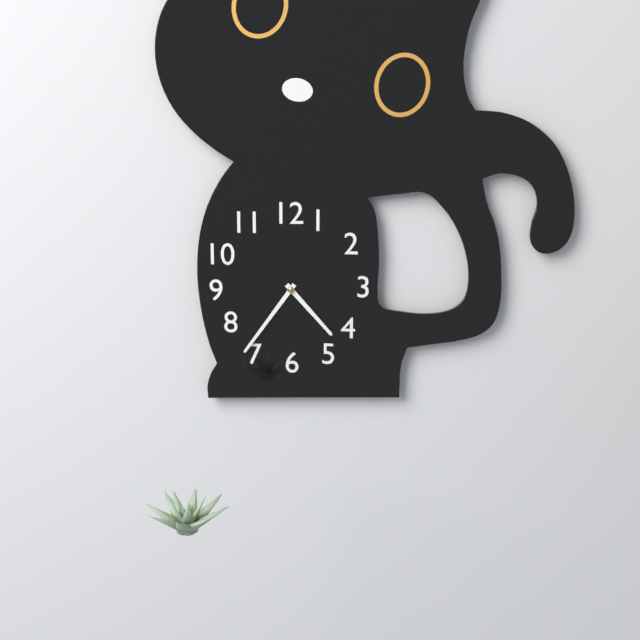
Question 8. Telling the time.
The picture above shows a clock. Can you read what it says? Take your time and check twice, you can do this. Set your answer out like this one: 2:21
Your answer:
4:36
